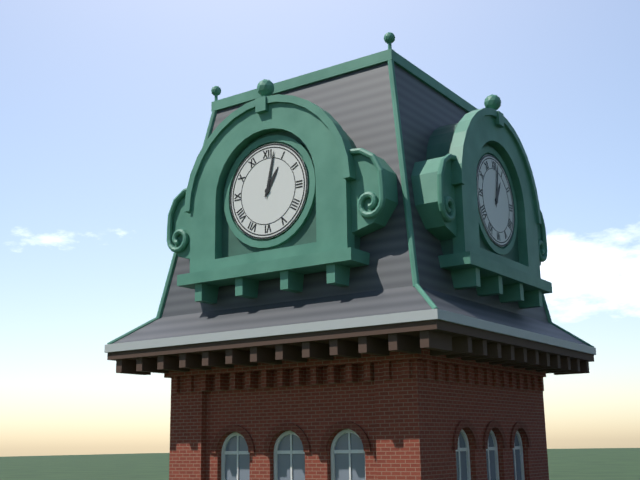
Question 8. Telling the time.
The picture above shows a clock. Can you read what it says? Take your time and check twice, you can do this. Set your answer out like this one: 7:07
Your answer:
1:02
